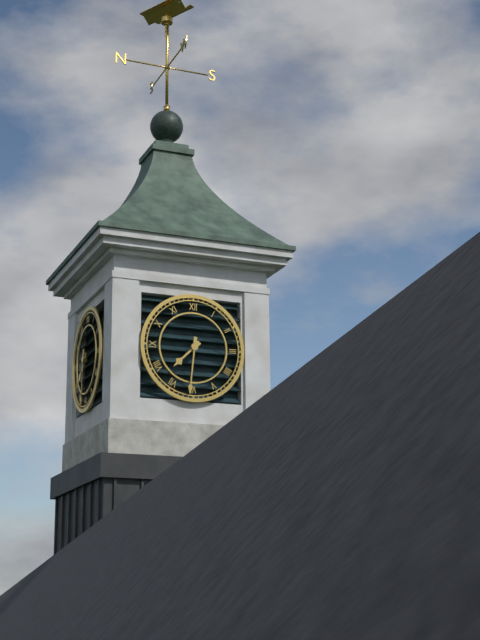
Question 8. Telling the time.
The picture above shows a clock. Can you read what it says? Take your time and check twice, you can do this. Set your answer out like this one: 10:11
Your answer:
7:31
